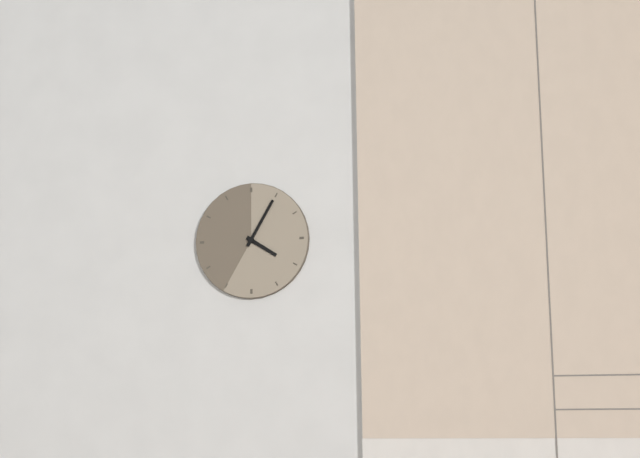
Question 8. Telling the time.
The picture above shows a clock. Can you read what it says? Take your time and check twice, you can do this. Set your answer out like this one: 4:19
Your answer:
4:05
